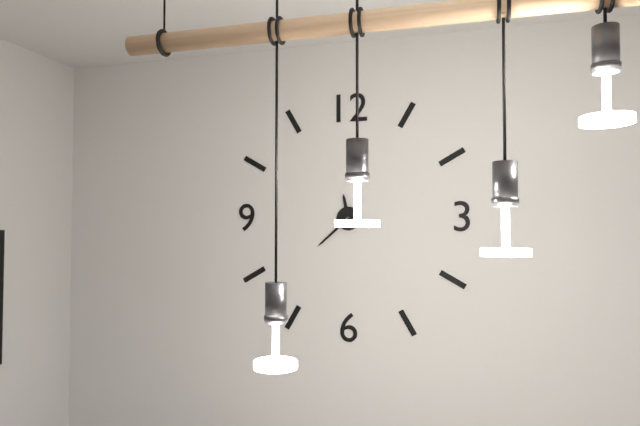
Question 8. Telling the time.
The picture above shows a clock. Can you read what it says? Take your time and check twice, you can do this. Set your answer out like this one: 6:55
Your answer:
11:38
